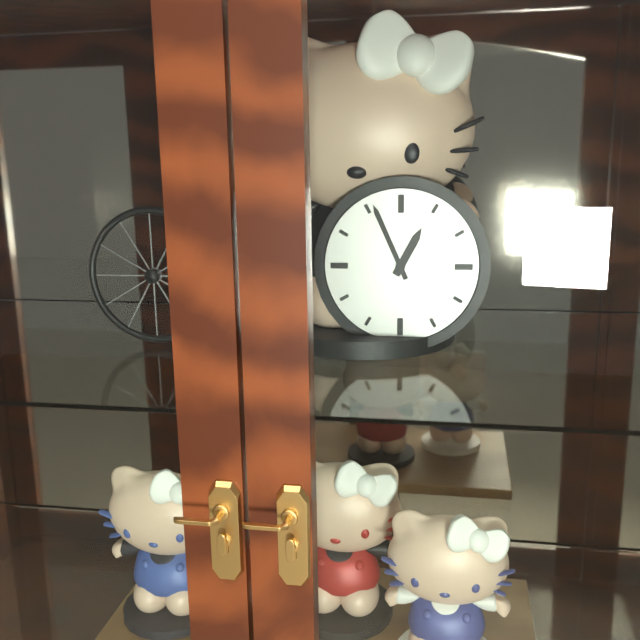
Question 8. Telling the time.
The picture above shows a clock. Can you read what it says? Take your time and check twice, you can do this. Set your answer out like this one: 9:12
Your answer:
12:56
